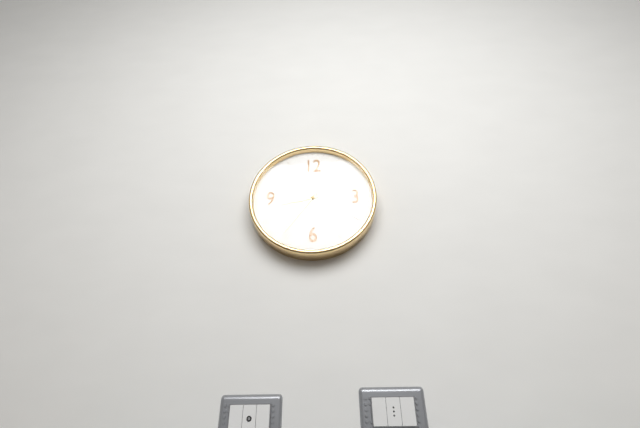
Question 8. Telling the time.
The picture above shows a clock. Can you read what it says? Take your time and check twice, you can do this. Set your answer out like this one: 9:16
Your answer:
8:36
